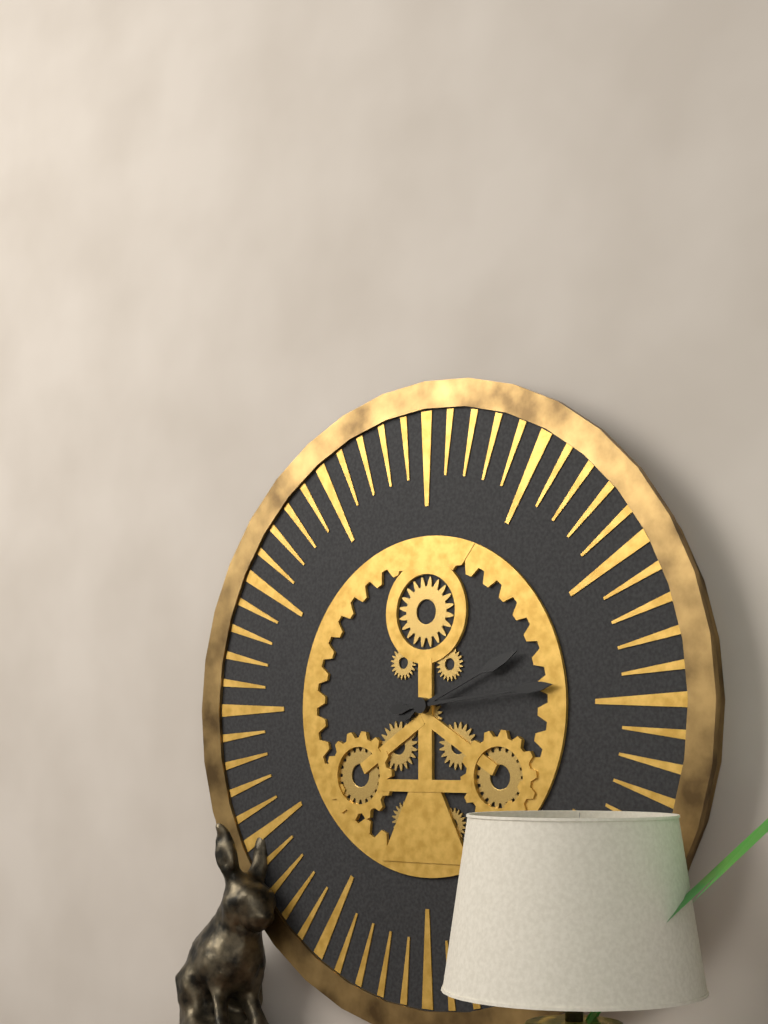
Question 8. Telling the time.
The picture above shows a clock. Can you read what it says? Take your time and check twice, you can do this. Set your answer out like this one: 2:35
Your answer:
2:14
